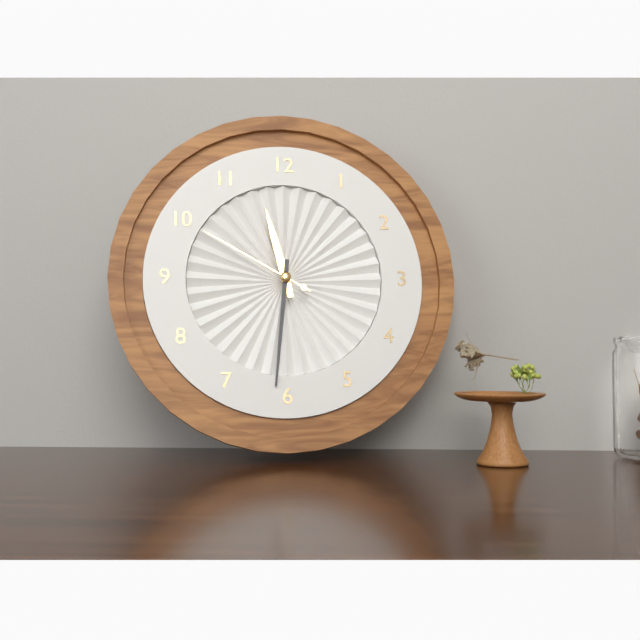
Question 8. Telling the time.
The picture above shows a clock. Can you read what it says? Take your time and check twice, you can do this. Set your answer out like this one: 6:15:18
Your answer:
11:31:50
